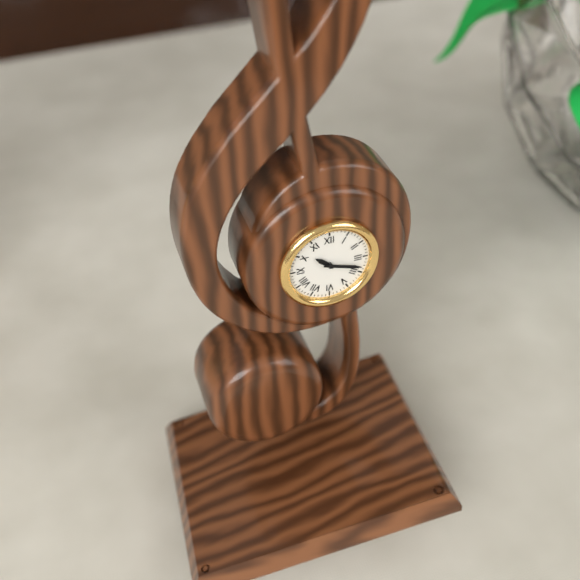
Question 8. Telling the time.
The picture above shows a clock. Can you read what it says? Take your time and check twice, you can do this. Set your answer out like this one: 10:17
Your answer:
10:18
